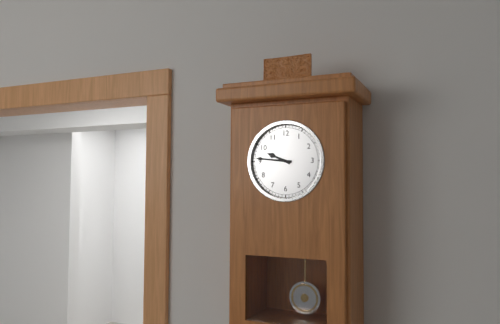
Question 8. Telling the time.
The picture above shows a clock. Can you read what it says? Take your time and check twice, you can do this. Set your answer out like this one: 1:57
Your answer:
9:46
